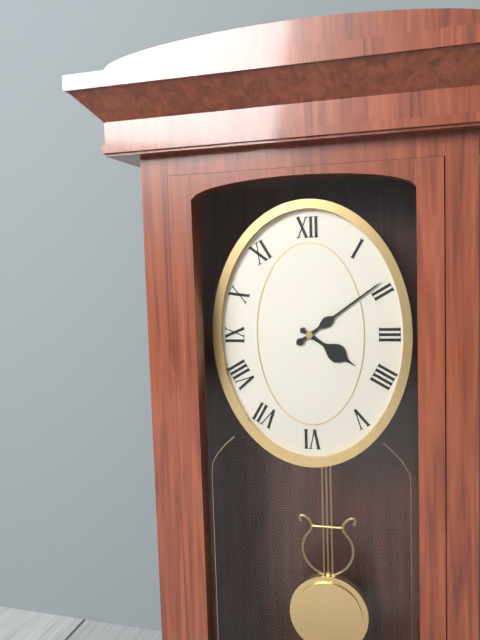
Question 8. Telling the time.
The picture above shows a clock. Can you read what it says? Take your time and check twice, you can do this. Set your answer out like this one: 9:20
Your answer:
4:09
